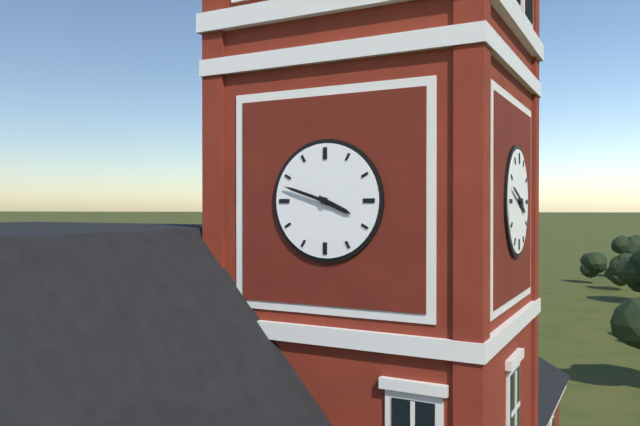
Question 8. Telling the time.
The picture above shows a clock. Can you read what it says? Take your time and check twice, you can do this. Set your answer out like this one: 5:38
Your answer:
3:48
